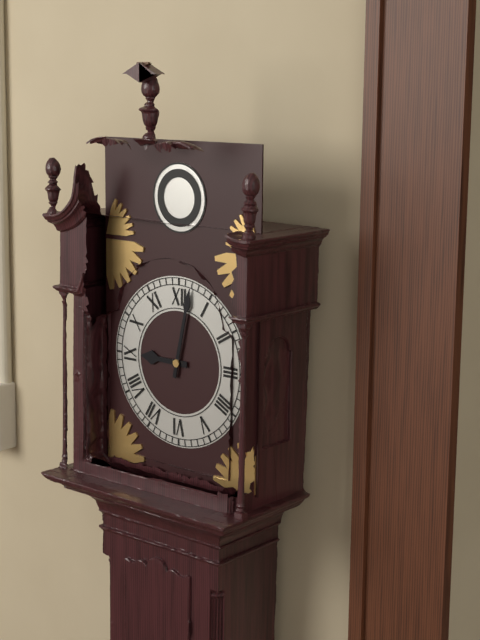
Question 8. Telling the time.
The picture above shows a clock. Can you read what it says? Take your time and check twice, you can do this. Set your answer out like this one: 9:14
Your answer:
9:02
